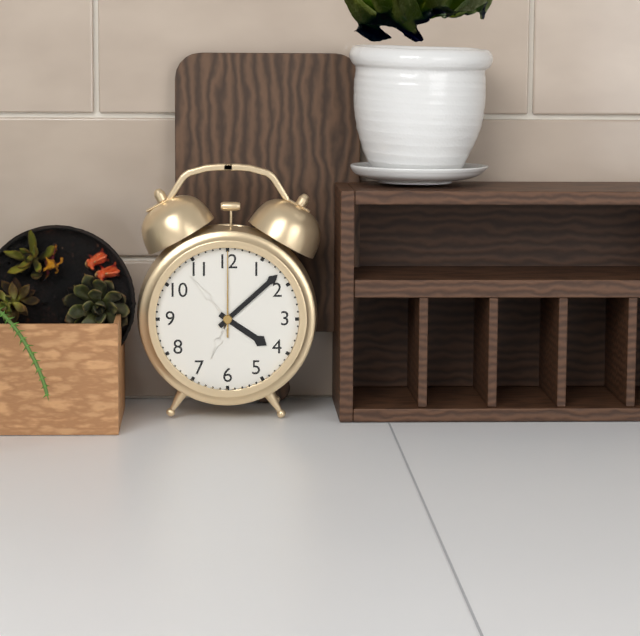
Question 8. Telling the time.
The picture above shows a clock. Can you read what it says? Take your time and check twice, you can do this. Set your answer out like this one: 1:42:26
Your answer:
4:08:00
